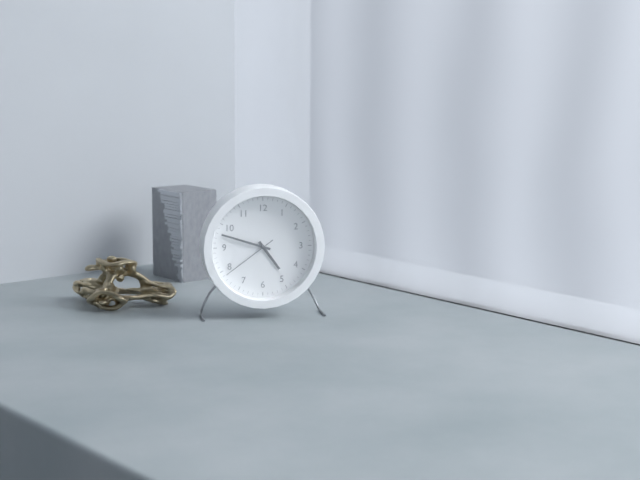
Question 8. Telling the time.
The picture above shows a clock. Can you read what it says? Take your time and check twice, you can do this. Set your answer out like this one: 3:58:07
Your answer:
4:48:39
